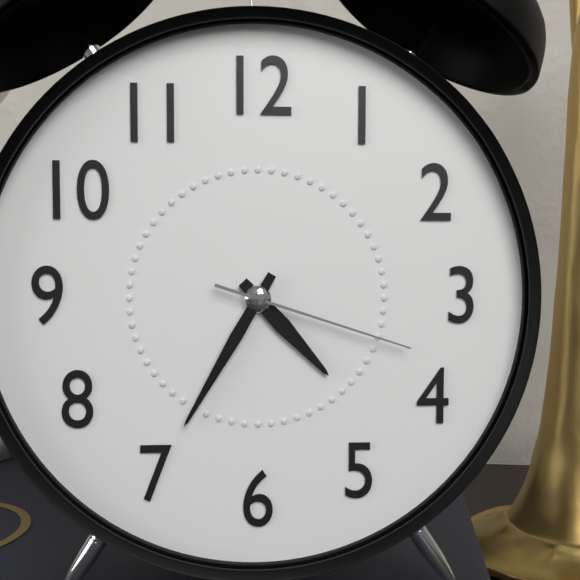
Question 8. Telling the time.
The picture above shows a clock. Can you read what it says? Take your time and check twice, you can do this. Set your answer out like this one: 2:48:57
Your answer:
4:35:18
